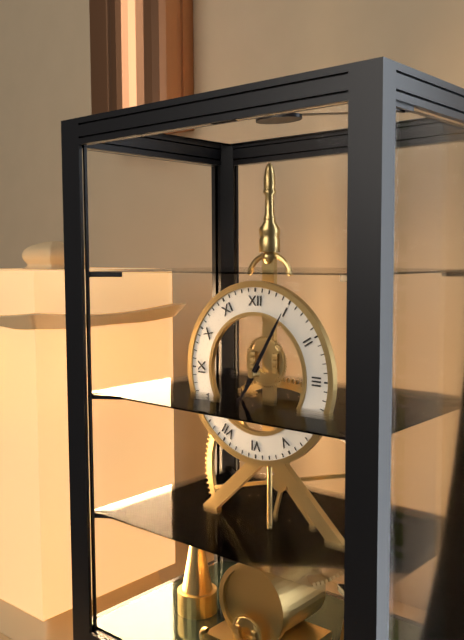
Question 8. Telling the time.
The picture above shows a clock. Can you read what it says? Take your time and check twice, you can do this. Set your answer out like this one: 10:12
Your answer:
7:05
